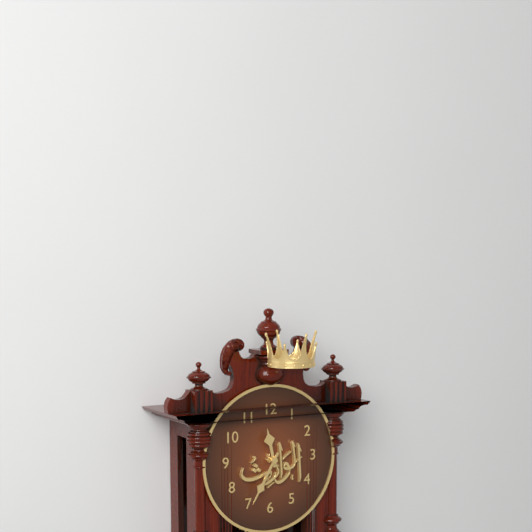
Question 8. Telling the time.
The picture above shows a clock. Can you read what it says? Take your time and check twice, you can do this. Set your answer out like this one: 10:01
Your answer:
11:35
